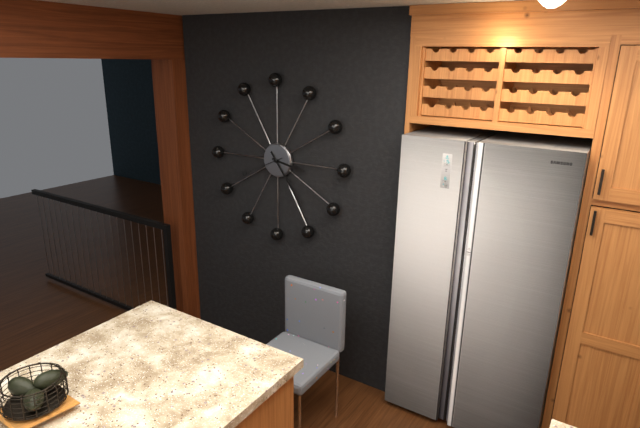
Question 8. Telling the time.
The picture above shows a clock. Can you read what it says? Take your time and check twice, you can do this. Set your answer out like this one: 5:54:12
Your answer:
3:24:41
